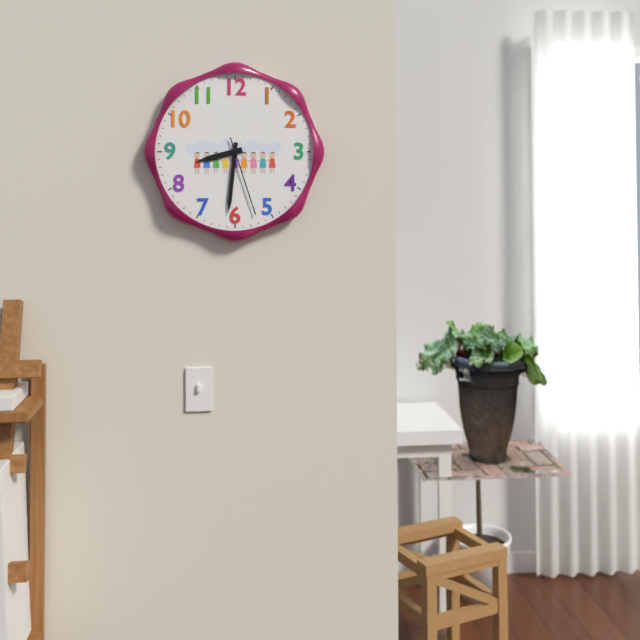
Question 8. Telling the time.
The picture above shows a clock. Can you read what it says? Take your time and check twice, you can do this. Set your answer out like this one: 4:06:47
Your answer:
8:31:27
